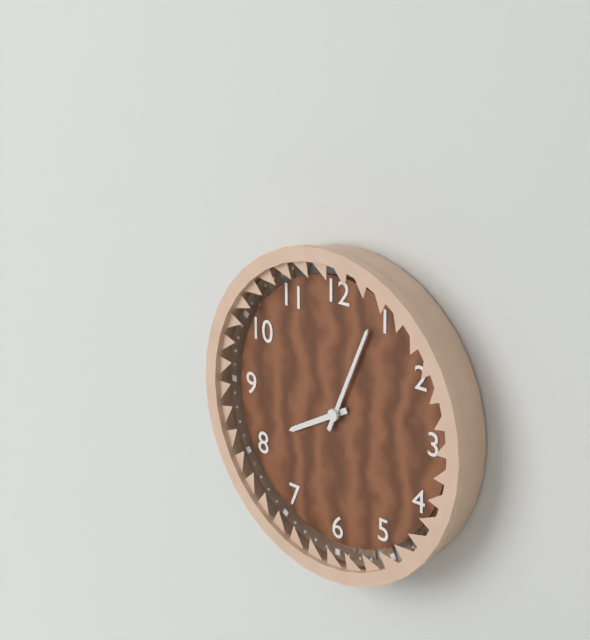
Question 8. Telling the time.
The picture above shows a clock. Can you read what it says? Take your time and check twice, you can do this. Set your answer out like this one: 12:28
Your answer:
8:04
